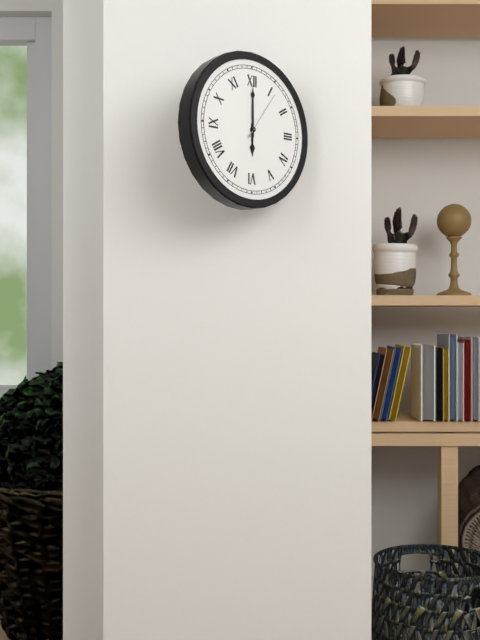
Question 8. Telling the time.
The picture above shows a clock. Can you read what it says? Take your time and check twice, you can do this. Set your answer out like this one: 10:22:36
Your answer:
6:00:06
